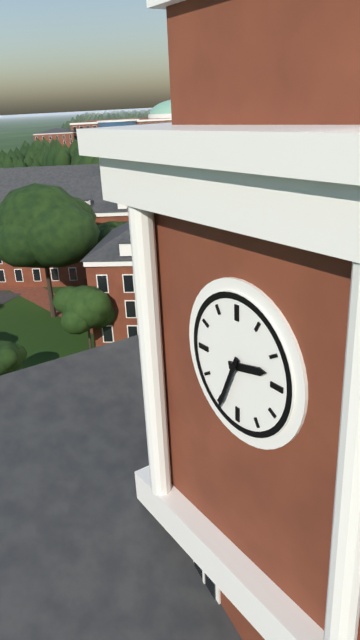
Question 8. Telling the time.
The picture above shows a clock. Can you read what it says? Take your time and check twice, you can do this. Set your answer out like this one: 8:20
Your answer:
2:34
